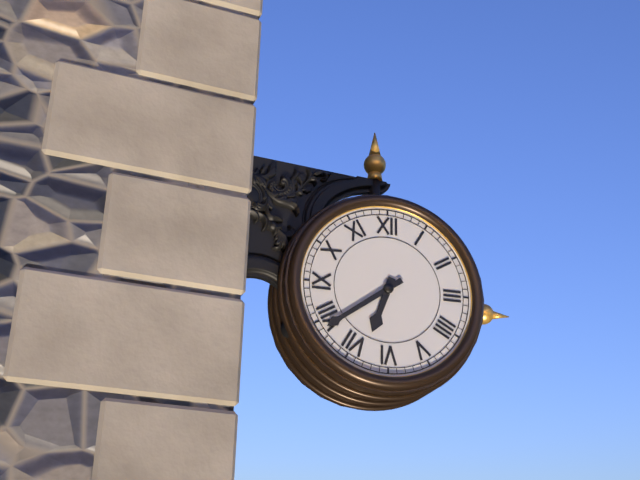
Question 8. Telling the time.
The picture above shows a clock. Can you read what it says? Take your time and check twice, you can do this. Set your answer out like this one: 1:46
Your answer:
6:39
